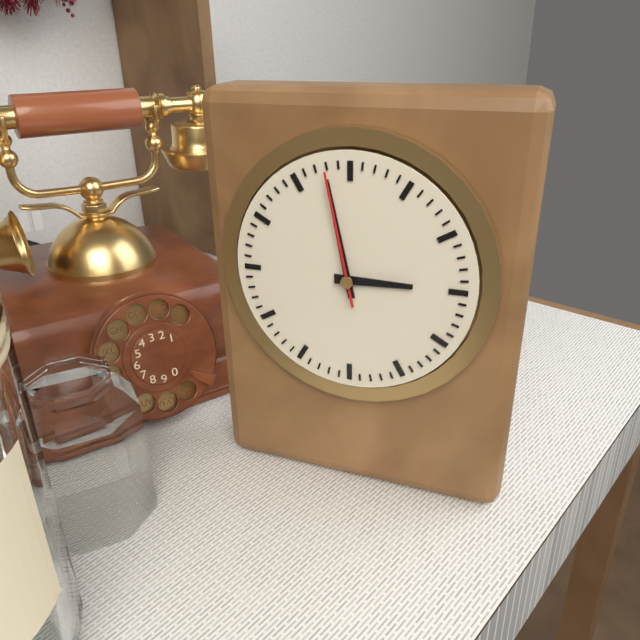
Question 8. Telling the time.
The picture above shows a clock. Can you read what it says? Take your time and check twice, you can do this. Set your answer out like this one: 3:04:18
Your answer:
2:58:58
